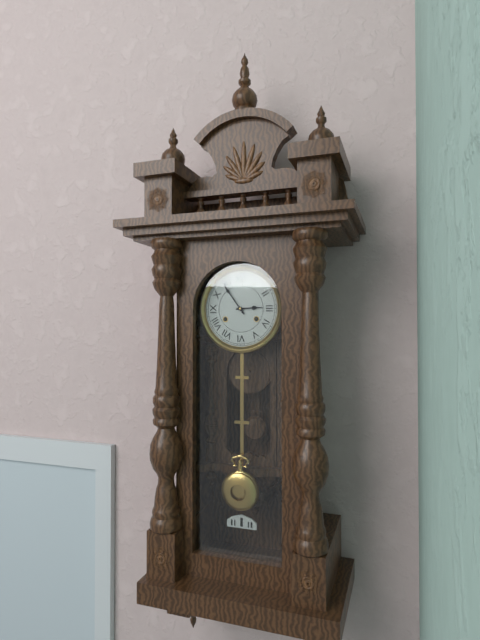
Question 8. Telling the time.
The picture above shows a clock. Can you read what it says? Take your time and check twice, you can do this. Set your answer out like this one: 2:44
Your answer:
2:54
